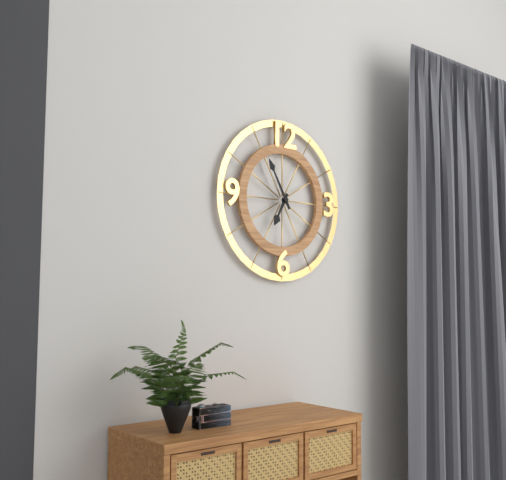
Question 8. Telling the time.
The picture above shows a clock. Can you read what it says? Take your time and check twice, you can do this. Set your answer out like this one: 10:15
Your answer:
6:55
